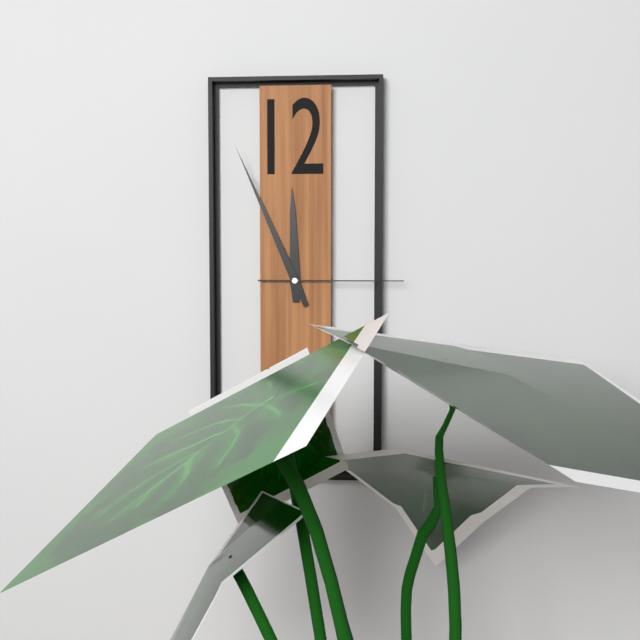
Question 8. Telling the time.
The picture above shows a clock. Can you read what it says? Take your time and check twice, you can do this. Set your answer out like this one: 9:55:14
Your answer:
11:56:15
